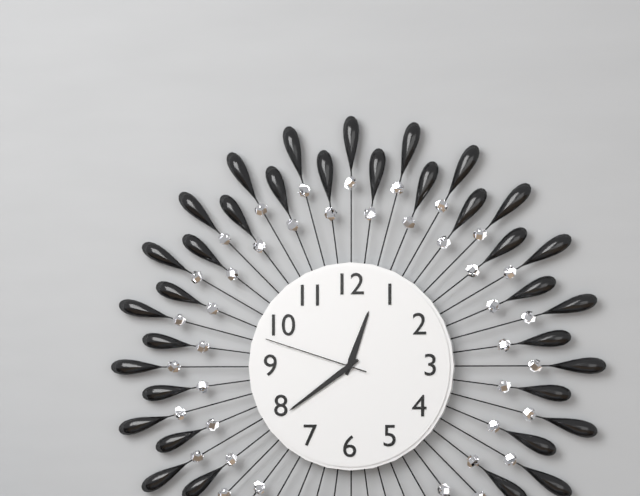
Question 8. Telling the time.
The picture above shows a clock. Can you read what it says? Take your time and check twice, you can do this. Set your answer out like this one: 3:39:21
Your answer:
12:39:48
